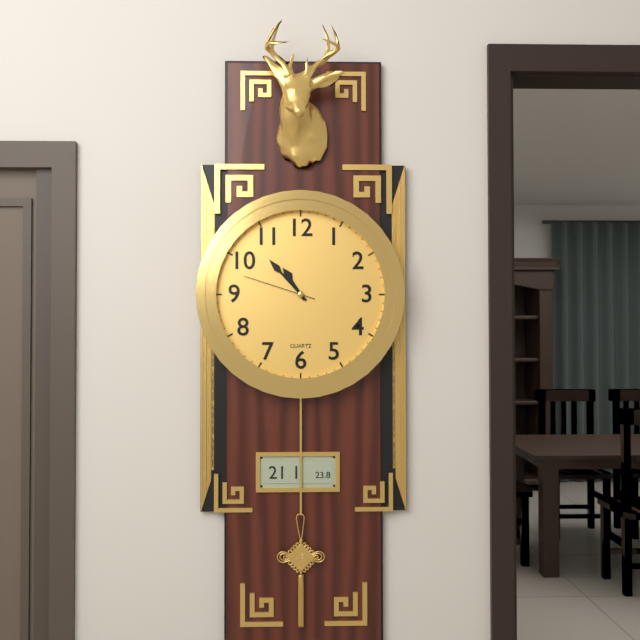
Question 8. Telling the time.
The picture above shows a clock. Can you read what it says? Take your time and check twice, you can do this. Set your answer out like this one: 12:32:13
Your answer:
10:53:48
